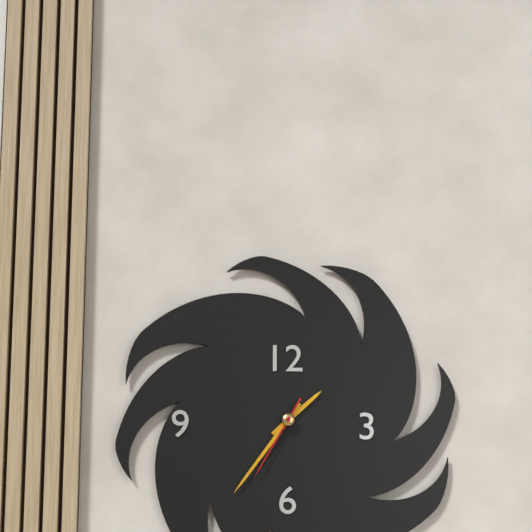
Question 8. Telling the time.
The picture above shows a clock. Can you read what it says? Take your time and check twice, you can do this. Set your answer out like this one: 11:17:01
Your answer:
1:36:35
